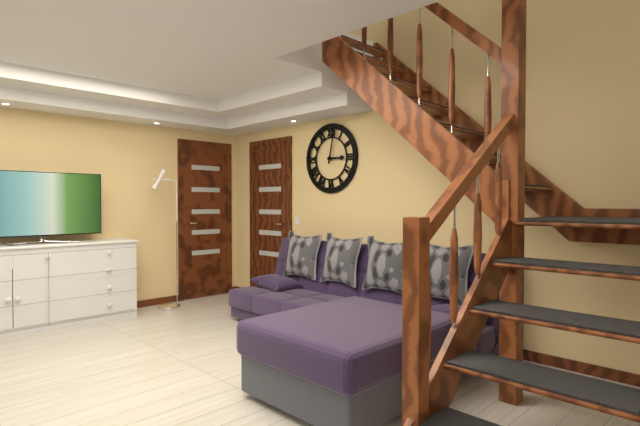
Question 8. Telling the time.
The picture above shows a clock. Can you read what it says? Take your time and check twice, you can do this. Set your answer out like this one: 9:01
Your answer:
3:02
